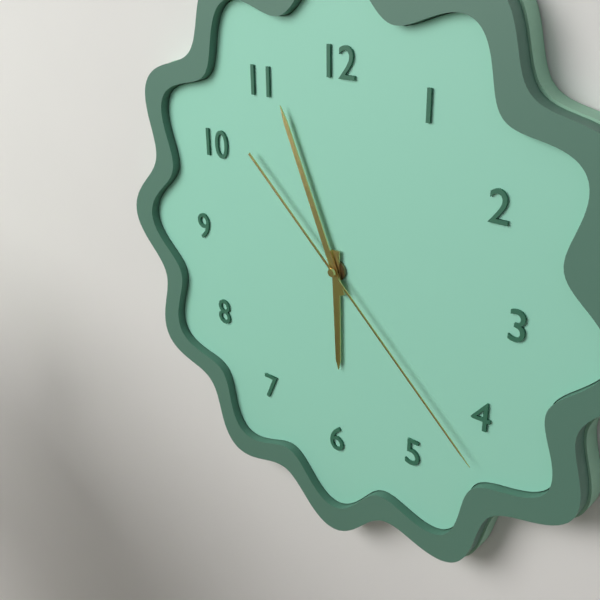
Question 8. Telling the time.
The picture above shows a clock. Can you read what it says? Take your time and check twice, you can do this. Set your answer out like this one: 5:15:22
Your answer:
5:56:22
